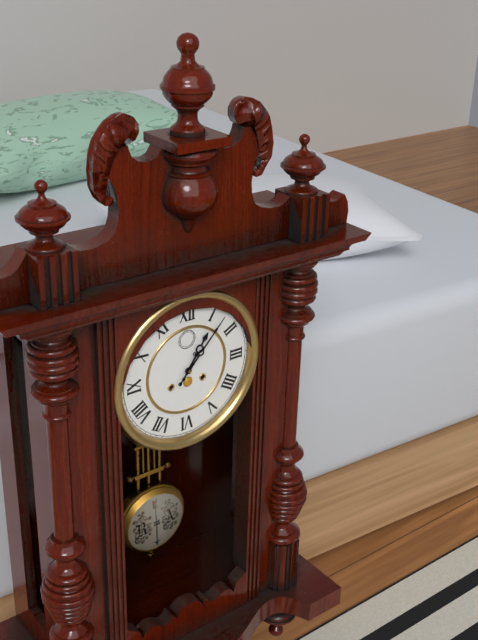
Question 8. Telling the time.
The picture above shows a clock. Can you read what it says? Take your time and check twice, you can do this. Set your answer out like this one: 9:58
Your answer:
1:07
